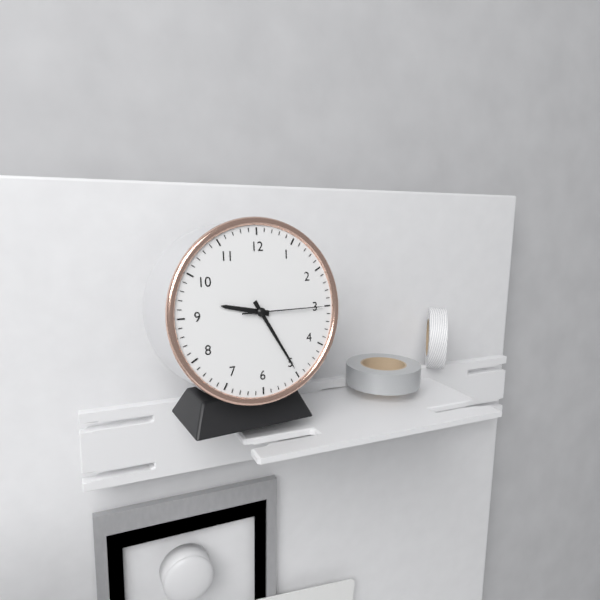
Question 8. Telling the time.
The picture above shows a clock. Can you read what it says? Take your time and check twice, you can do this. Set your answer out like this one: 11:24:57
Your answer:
9:25:15
